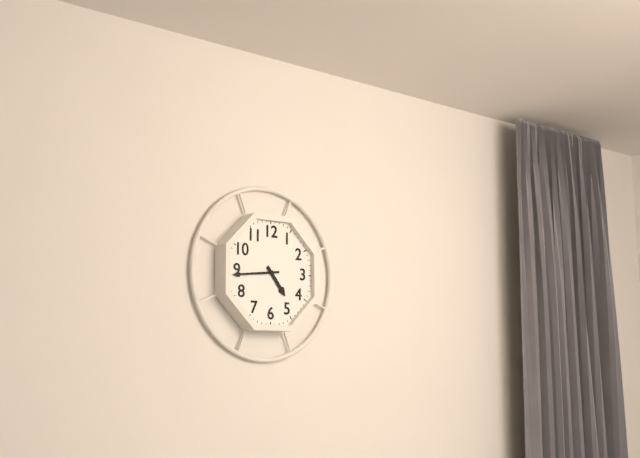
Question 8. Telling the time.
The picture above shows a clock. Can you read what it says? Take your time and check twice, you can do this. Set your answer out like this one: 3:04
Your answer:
4:44
